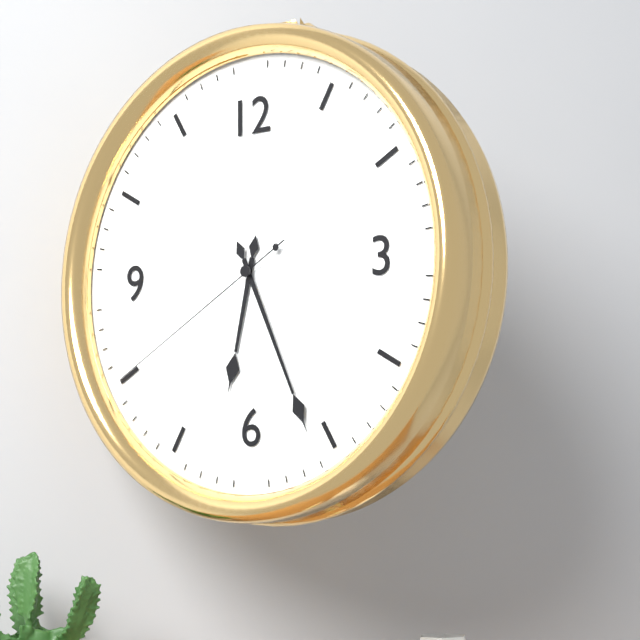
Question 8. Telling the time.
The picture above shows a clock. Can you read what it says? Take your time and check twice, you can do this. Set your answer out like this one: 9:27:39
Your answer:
6:26:40
